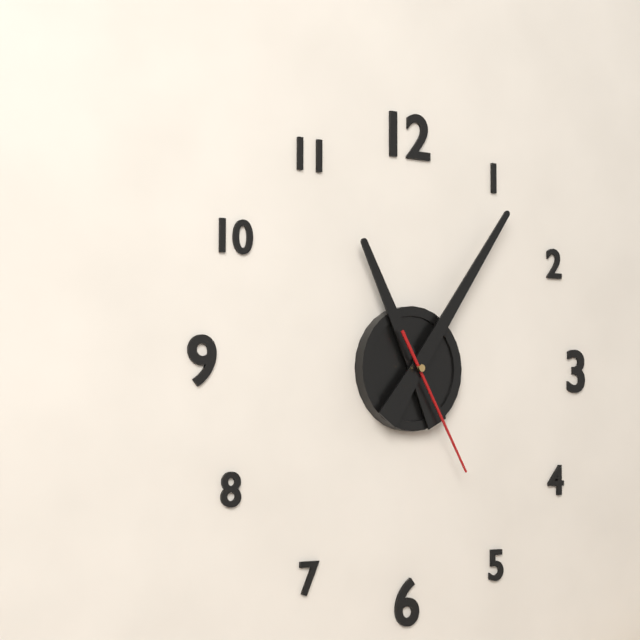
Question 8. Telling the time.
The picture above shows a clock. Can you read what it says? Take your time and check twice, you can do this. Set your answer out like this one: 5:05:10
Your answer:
11:06:25
